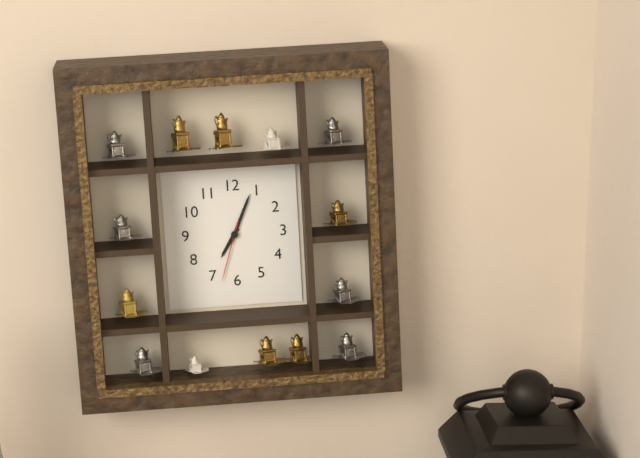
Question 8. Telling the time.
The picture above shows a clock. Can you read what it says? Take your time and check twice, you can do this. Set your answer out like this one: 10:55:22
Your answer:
7:04:33
